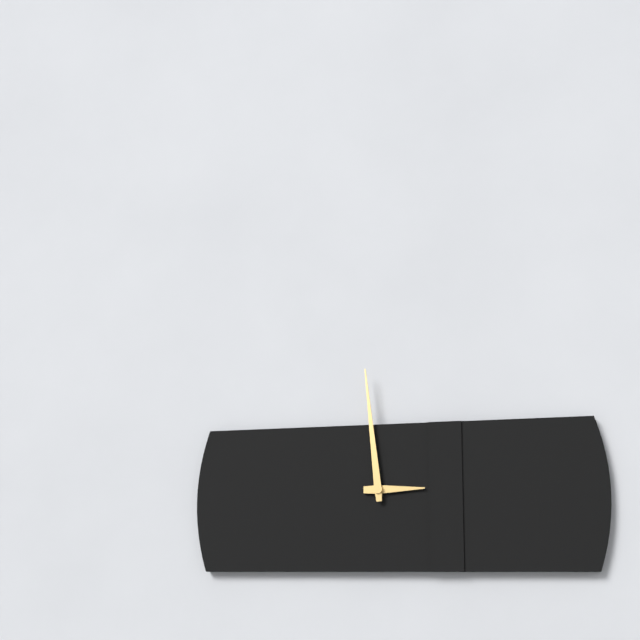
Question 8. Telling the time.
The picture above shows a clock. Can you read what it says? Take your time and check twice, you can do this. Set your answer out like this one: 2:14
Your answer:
2:59
